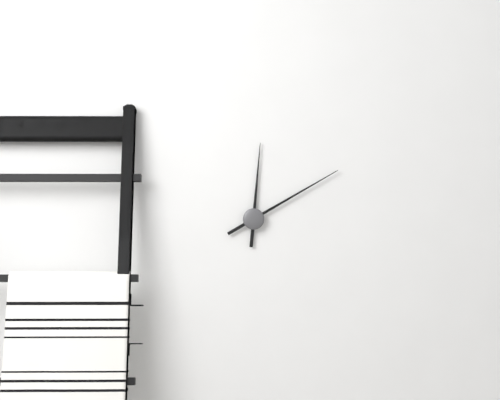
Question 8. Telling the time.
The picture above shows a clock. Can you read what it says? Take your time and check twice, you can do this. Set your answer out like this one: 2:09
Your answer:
12:10
